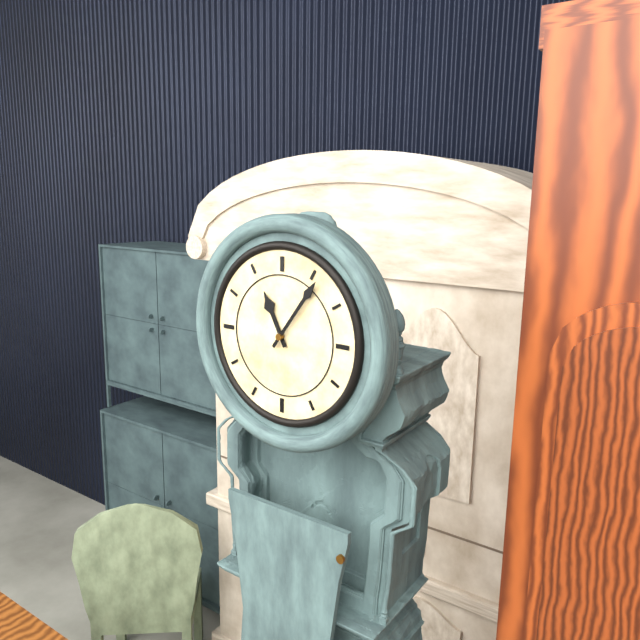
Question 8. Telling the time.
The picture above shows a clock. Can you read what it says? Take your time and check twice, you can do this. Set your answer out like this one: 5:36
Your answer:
11:06
